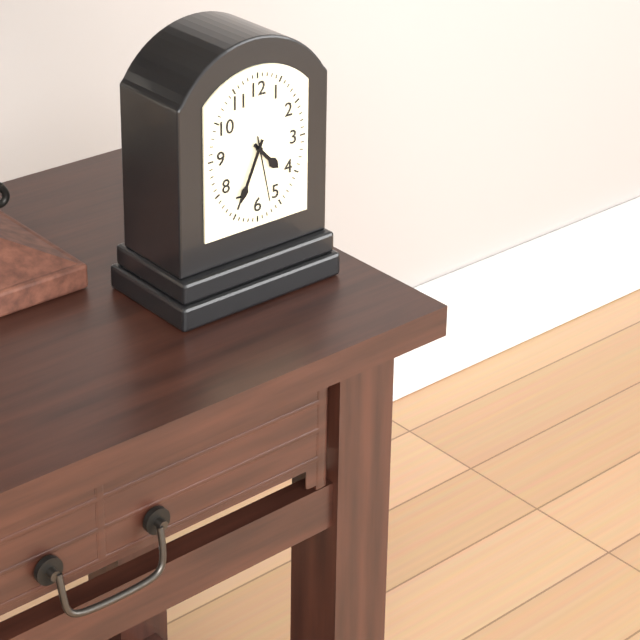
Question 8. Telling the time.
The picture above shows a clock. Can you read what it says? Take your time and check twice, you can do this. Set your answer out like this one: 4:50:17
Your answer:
4:34:28
